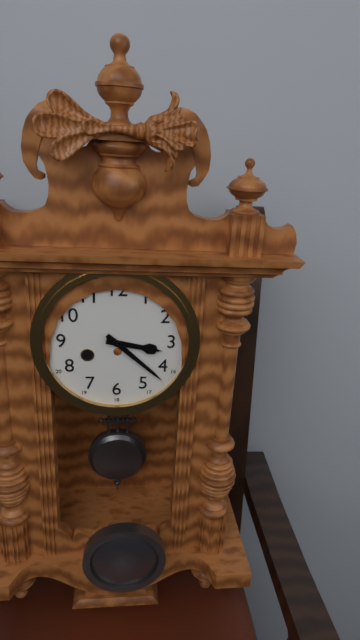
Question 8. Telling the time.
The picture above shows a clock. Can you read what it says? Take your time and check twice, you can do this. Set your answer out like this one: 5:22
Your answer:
3:22
